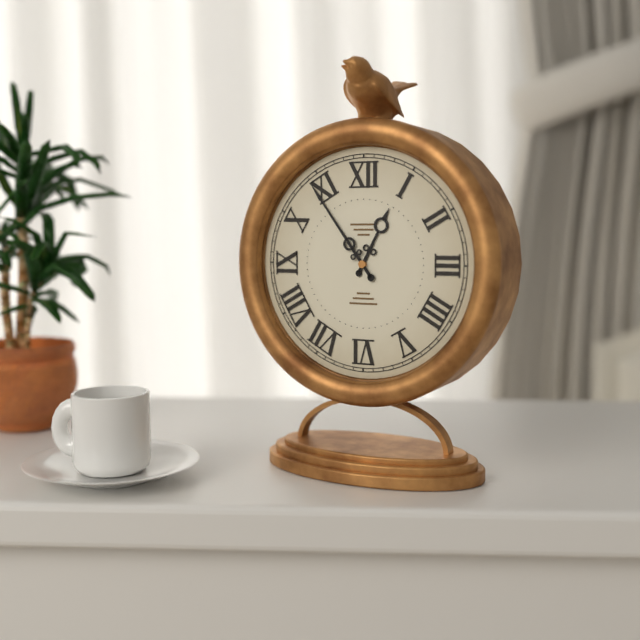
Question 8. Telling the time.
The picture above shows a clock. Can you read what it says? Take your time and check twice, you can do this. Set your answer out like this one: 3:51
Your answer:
12:54
